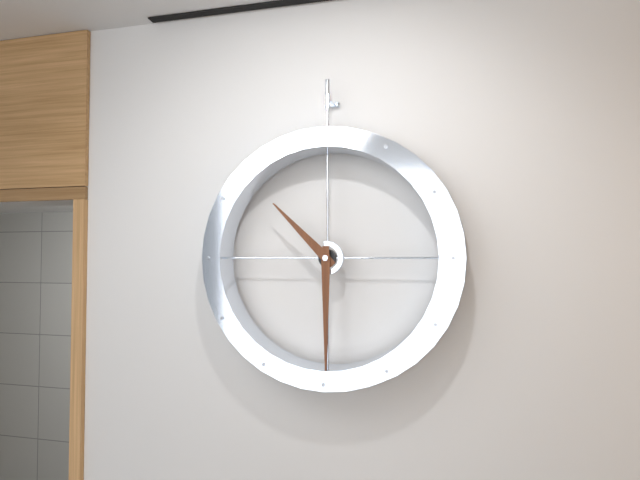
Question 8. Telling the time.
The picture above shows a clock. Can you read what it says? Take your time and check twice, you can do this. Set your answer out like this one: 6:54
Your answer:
10:30
